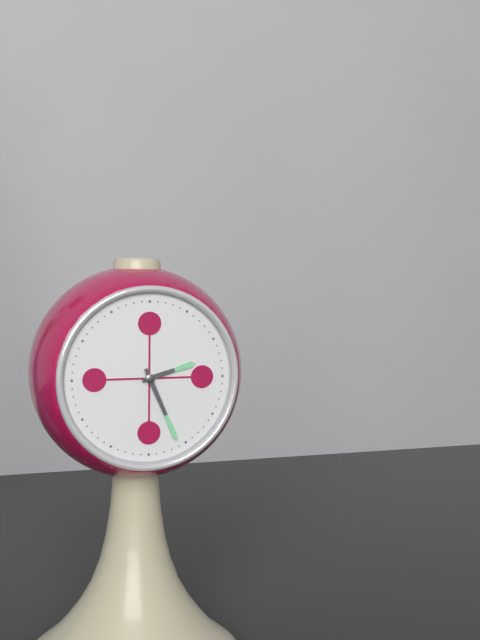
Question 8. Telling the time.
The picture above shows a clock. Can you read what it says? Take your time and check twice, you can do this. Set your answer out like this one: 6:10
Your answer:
2:26
